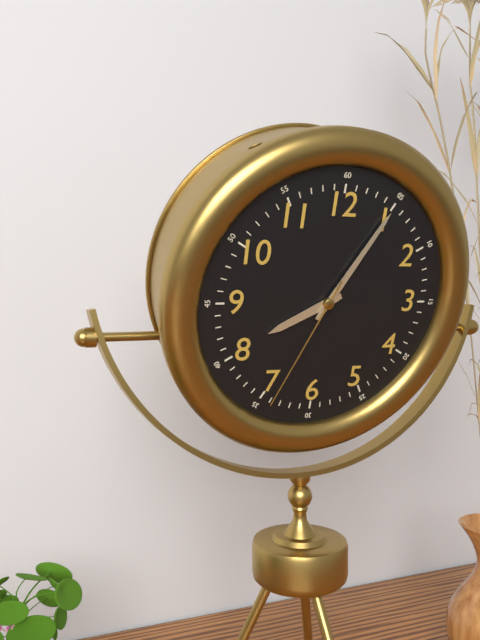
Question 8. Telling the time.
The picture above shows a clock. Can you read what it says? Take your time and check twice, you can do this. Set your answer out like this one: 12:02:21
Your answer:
8:05:34
